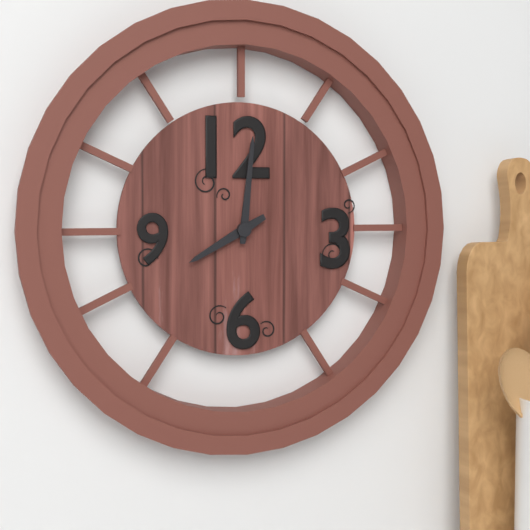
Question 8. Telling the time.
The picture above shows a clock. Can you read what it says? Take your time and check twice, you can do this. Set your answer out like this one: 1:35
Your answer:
8:01
